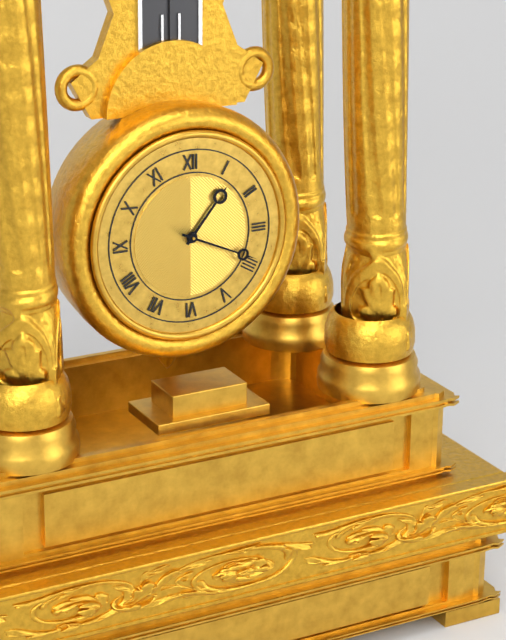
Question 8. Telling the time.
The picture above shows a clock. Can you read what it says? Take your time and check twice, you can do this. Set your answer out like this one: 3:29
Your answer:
1:19
